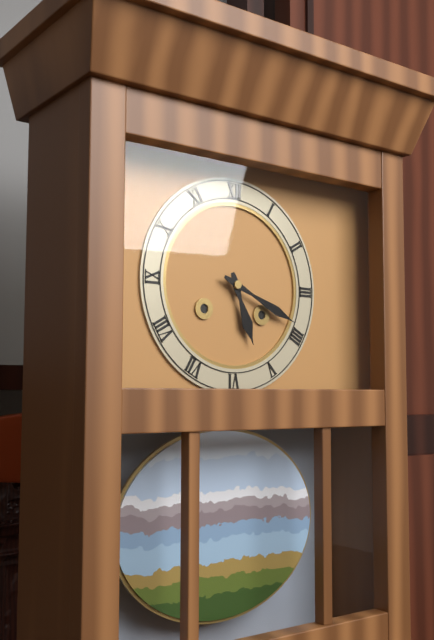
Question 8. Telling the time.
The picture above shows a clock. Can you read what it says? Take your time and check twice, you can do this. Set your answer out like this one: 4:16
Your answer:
5:19
